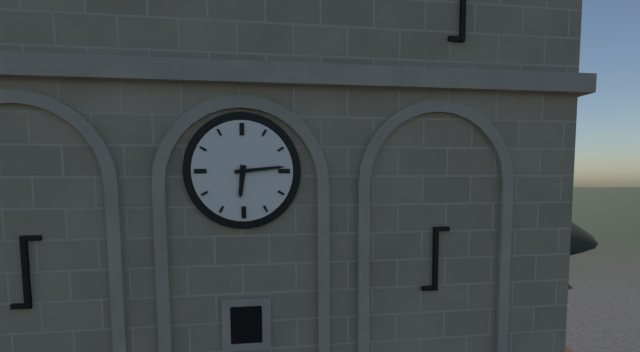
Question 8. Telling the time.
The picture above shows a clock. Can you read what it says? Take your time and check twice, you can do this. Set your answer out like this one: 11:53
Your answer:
6:14
